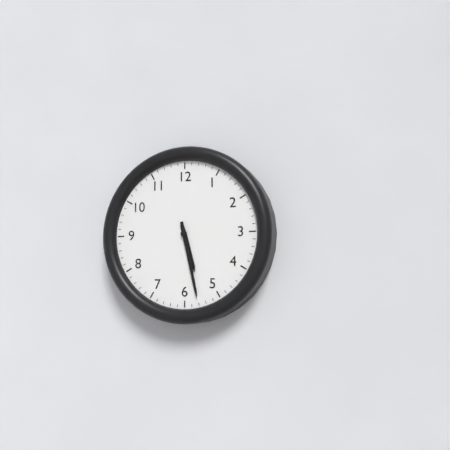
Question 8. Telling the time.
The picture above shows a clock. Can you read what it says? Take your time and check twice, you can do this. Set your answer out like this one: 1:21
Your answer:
5:28
